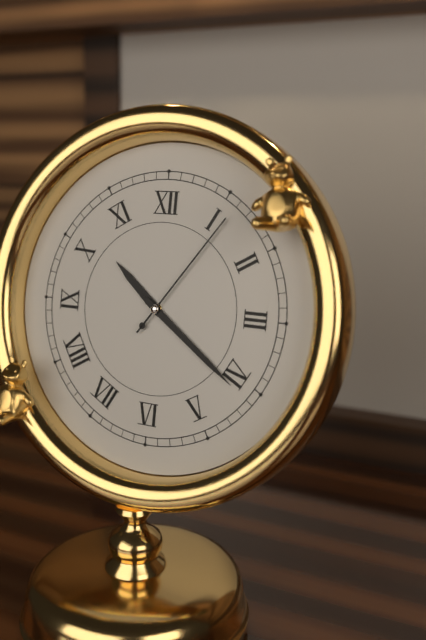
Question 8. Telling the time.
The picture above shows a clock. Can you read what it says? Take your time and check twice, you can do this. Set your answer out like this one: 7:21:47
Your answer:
10:21:06
